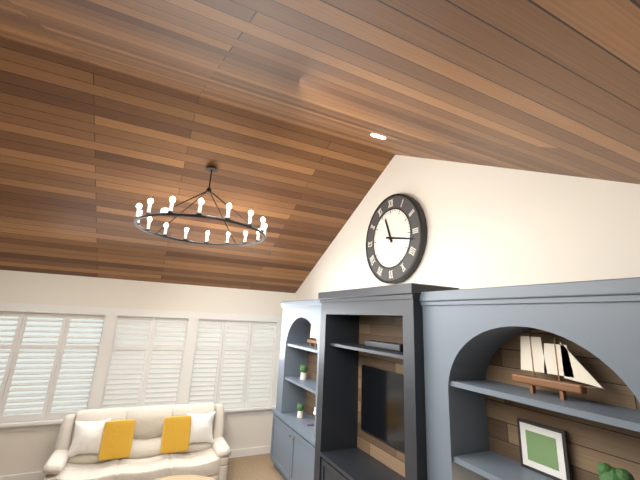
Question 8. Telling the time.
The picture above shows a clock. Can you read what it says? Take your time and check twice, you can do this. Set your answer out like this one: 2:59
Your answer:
11:17
